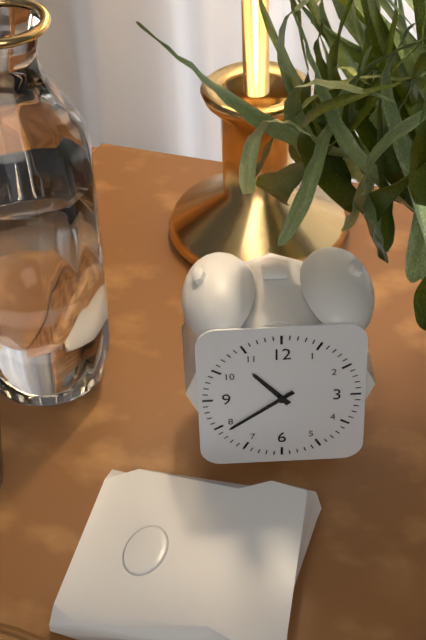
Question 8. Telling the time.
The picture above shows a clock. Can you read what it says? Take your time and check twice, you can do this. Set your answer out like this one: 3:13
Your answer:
10:39
